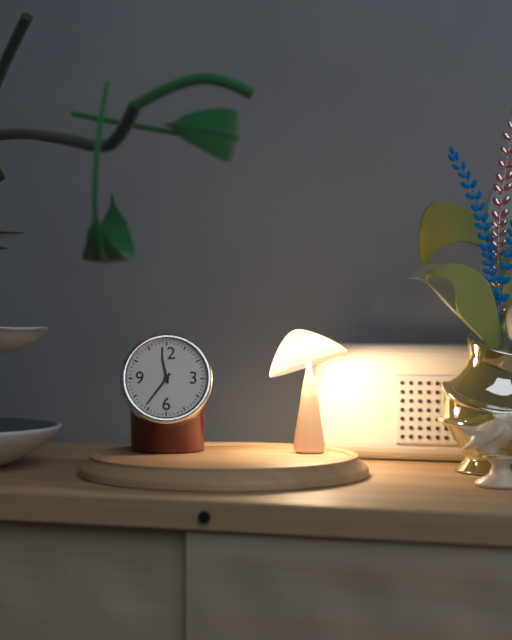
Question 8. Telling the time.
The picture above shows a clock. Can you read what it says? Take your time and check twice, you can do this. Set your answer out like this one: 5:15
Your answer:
11:36
